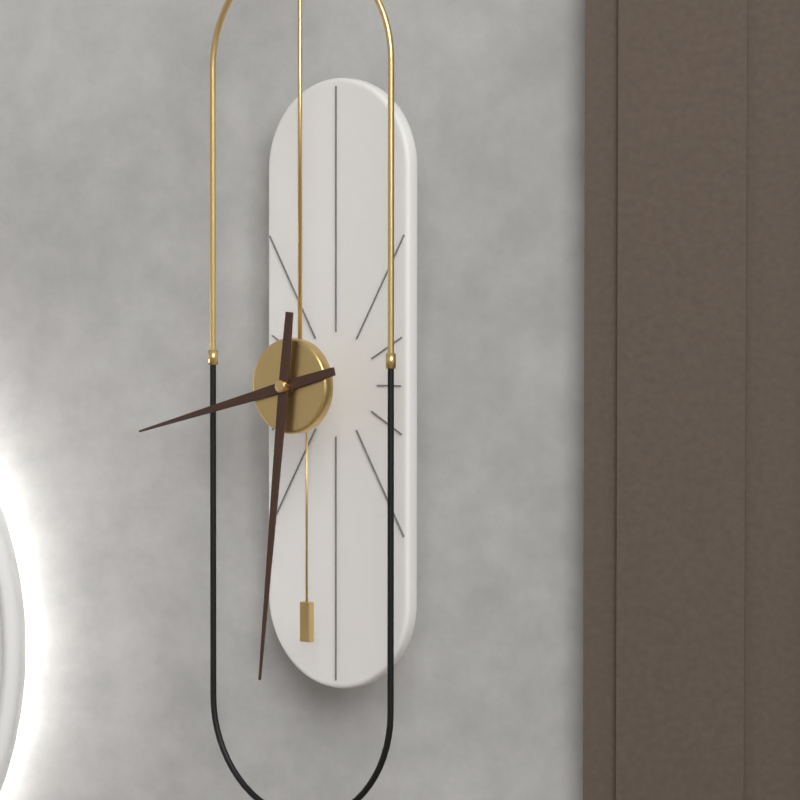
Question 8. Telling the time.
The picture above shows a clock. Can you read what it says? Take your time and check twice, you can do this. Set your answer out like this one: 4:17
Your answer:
8:31
